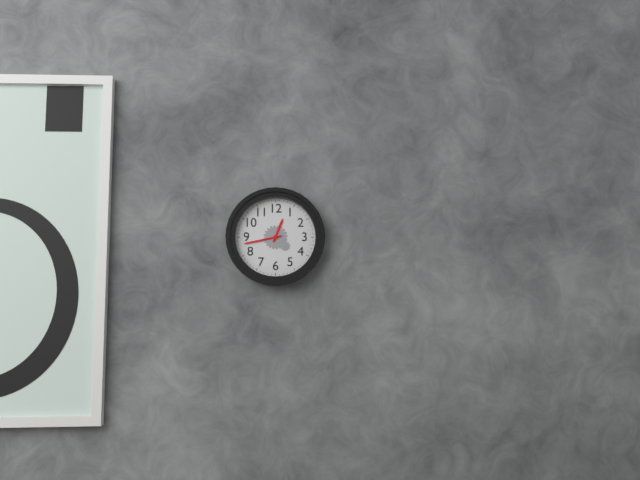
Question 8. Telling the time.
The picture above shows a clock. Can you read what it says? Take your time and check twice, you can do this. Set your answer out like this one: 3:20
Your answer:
12:43
